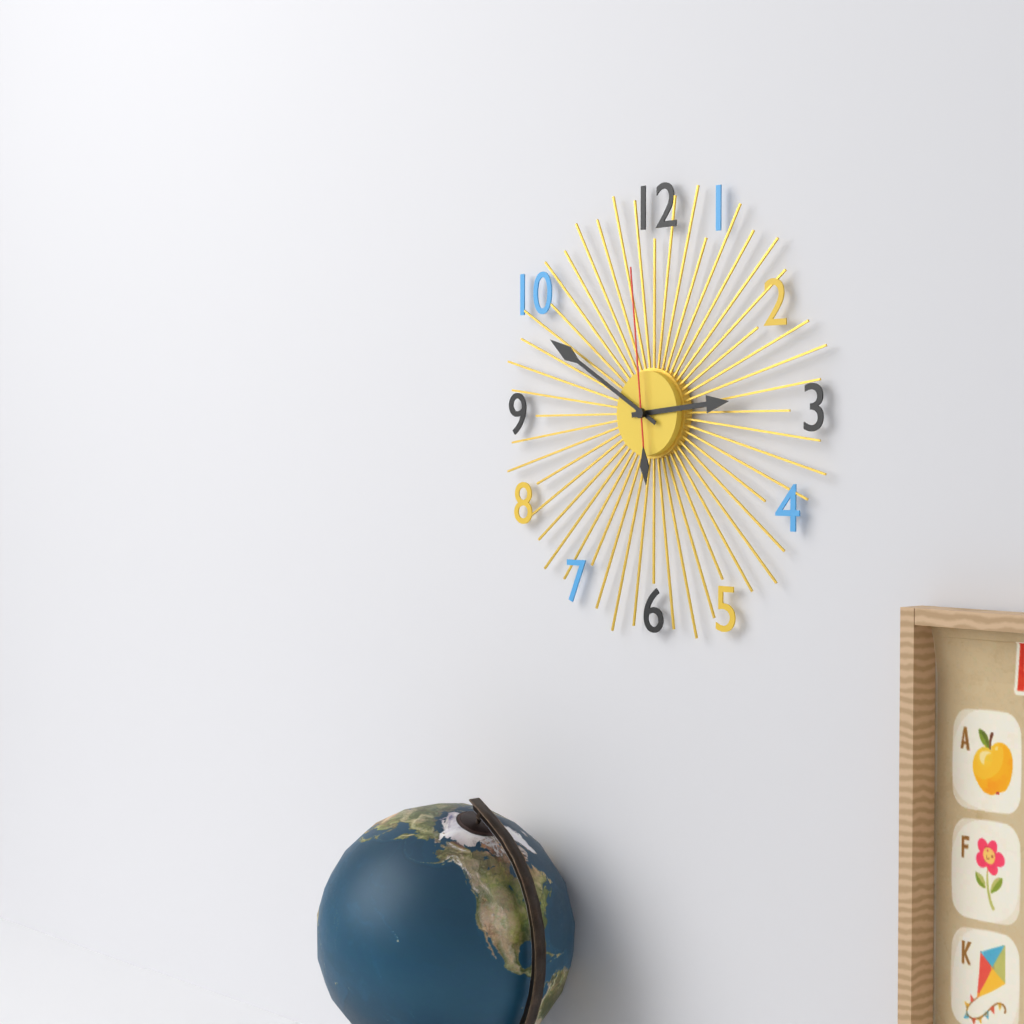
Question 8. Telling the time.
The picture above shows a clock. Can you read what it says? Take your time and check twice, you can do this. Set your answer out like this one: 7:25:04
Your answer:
2:50:59
